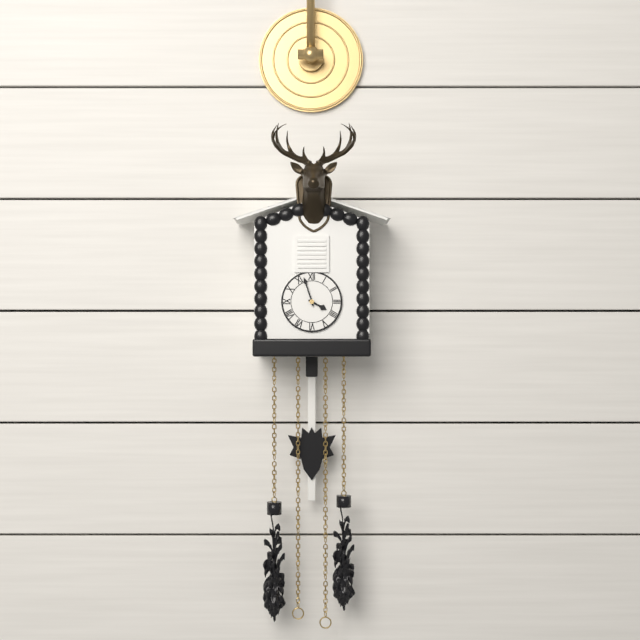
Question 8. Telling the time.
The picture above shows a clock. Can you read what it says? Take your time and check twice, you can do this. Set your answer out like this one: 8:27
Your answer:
3:57
